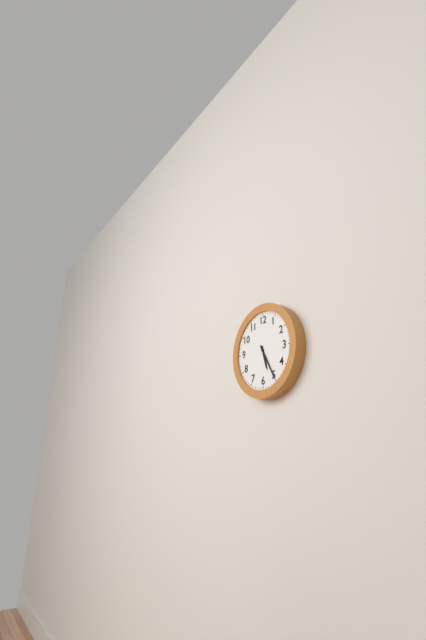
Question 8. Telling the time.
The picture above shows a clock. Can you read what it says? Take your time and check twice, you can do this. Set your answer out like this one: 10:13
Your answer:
5:25
